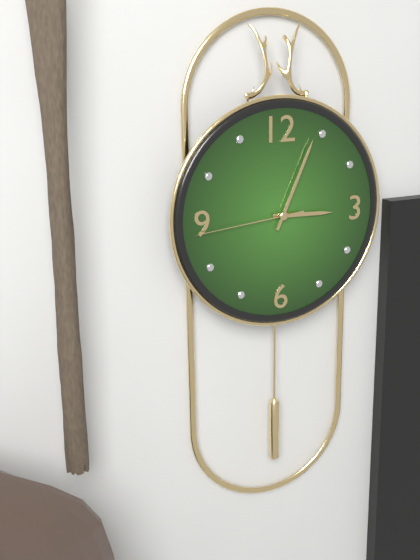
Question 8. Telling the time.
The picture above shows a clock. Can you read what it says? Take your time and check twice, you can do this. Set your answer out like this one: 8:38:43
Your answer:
3:04:44
